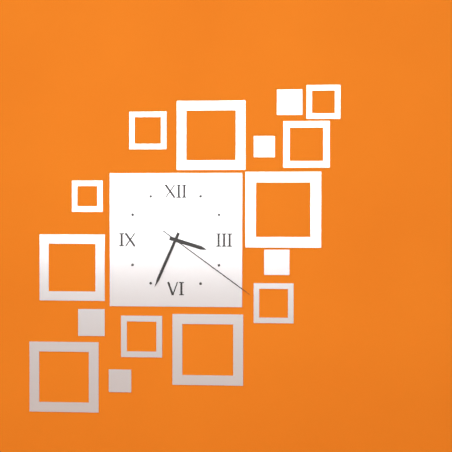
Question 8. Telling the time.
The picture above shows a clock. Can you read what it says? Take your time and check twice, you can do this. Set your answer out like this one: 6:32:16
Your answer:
3:34:21
